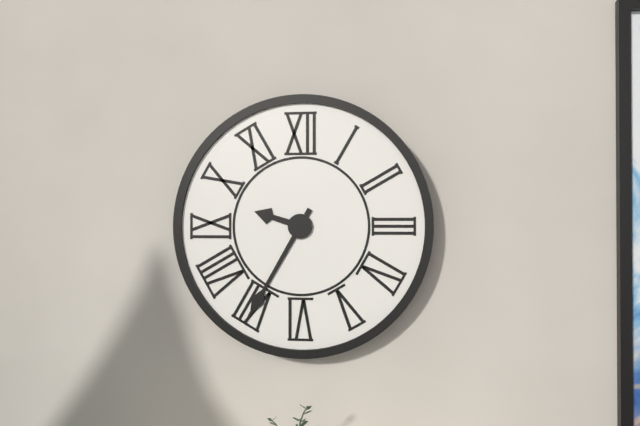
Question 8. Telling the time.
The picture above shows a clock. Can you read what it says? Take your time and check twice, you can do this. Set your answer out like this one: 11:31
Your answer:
9:35
